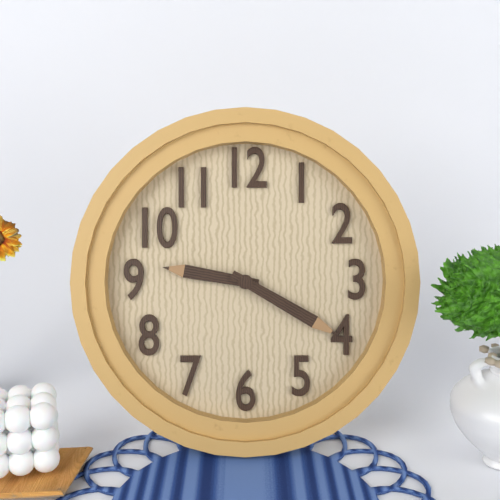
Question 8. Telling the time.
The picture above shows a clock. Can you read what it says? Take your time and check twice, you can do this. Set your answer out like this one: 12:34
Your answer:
9:20
